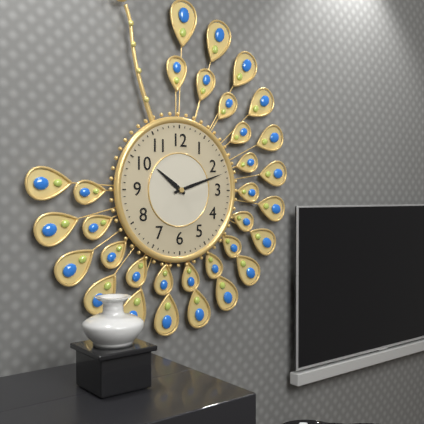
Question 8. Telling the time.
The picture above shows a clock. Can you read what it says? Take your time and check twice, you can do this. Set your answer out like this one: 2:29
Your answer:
10:12
